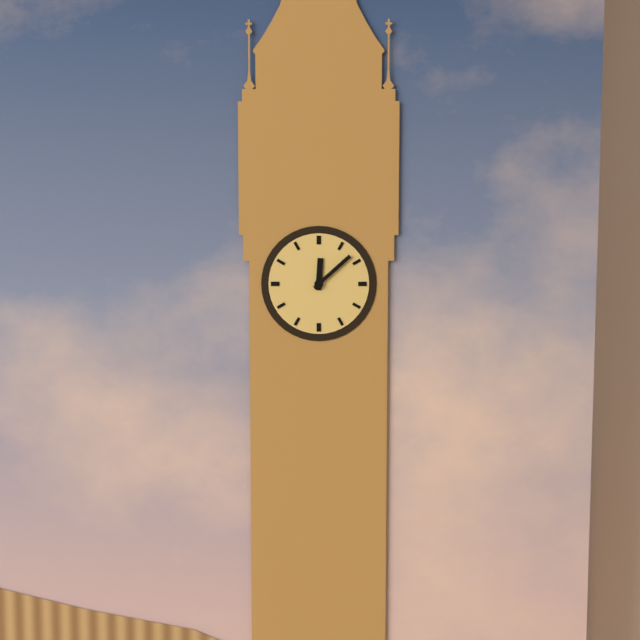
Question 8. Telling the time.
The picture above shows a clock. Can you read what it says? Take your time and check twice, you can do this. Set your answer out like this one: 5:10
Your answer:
12:08
